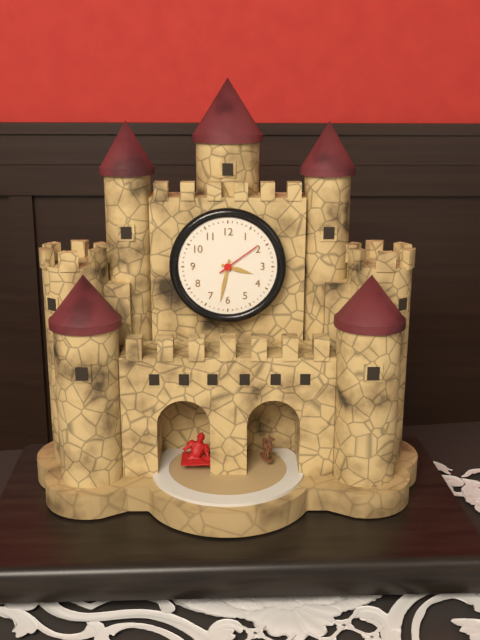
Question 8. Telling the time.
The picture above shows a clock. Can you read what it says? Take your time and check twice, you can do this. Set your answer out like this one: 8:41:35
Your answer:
3:32:09
